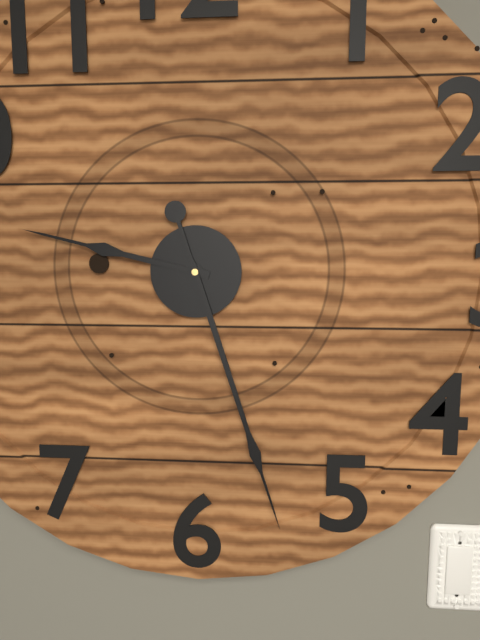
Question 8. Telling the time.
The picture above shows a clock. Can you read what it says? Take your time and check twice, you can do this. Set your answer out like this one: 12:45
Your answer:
9:27
